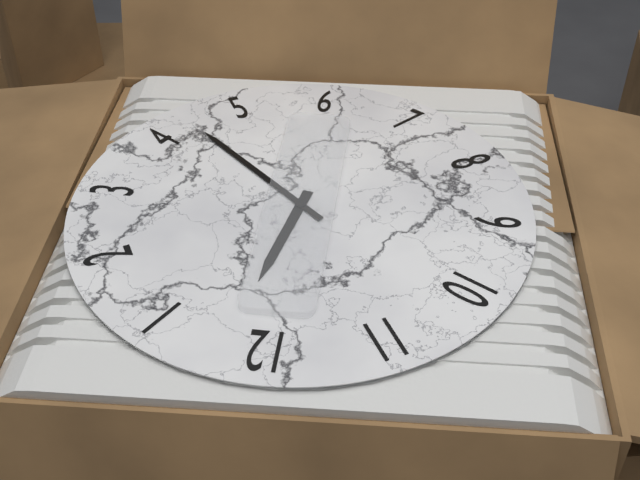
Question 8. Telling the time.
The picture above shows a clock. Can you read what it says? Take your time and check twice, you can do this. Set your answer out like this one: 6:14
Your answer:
12:22
